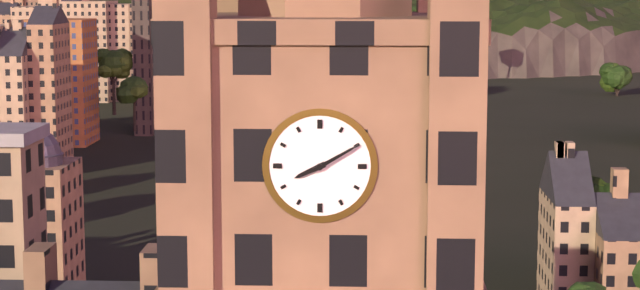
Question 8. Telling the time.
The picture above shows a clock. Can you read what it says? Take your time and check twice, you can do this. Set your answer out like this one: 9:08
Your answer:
8:10
